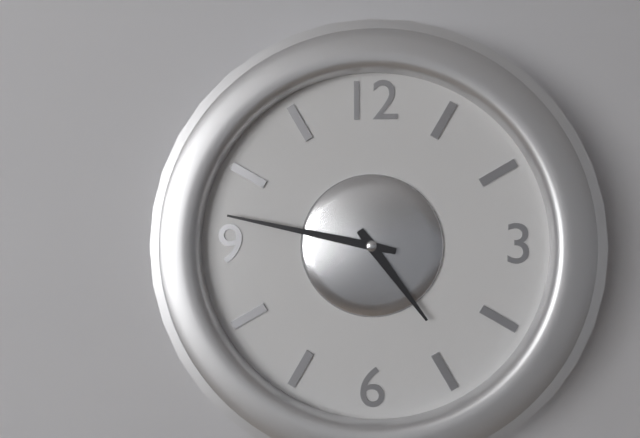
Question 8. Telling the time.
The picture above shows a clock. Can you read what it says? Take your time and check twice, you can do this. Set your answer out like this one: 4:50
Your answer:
4:47
